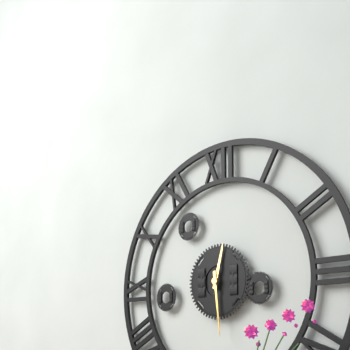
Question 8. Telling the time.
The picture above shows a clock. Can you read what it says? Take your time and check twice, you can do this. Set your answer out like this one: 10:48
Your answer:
12:29
